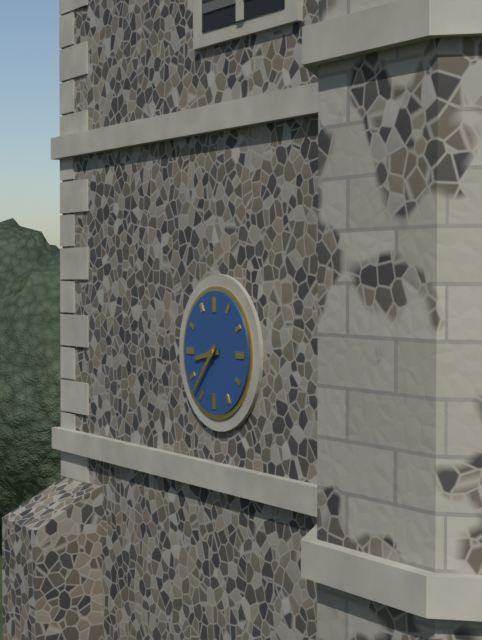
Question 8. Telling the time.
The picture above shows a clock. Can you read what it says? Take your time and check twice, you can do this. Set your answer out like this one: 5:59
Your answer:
8:37
